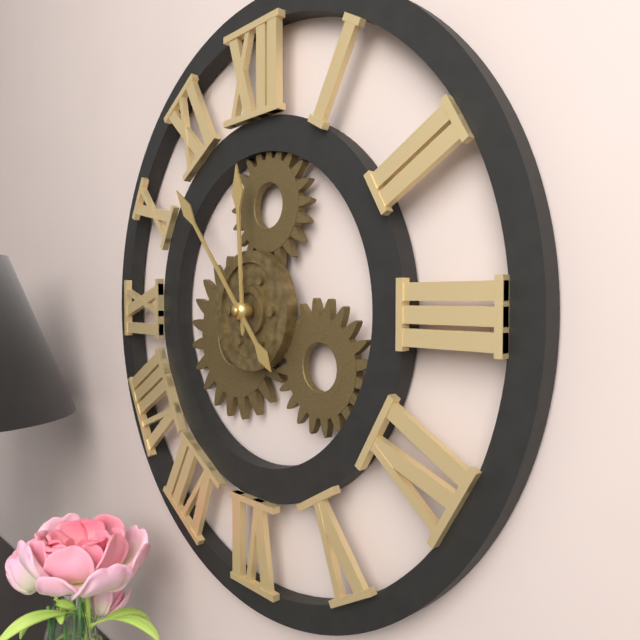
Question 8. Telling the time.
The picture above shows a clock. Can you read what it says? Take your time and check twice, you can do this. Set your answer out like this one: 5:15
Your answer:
11:53
